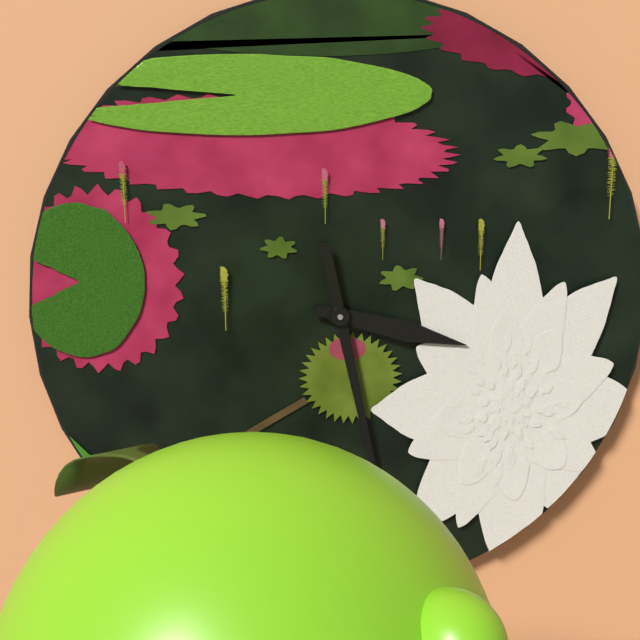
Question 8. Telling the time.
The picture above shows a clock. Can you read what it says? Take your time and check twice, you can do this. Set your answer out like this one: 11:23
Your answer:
3:28
